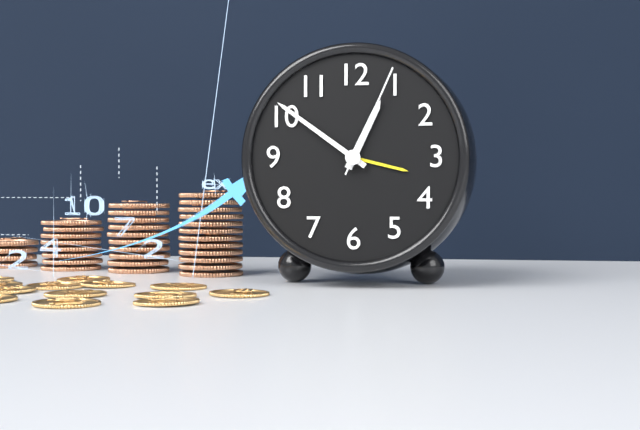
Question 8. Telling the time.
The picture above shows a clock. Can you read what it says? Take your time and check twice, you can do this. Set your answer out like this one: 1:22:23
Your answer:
12:51:04
